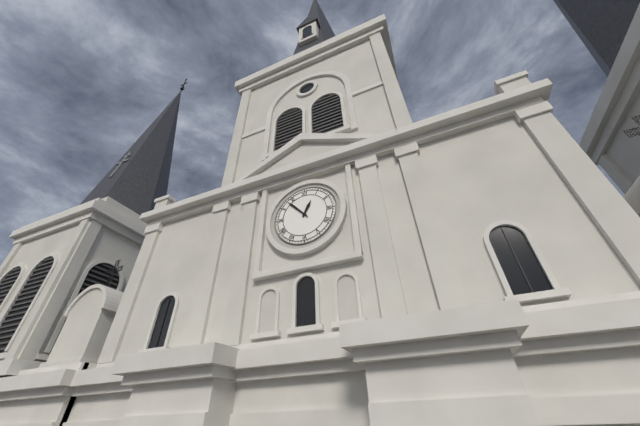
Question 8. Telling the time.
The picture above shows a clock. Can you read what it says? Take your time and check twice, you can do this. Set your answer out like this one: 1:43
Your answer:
12:53
